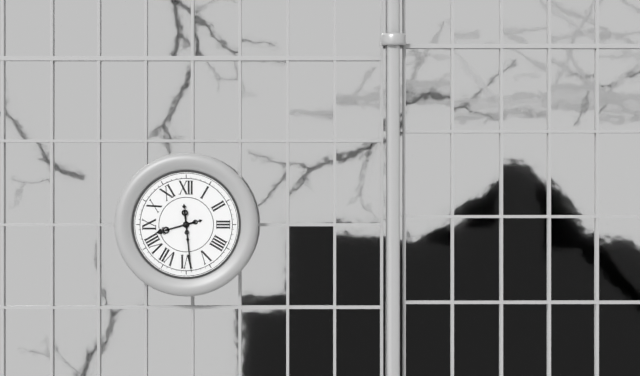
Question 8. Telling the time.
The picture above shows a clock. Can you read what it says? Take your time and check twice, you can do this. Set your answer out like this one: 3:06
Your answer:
8:29
